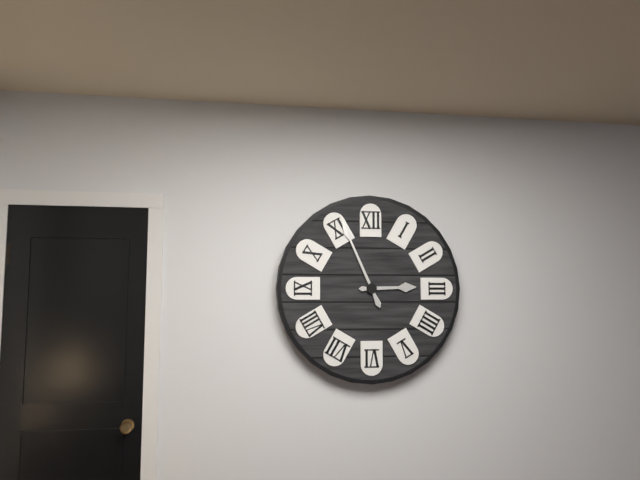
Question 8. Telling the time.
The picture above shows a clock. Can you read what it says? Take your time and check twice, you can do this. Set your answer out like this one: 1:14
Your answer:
2:56
